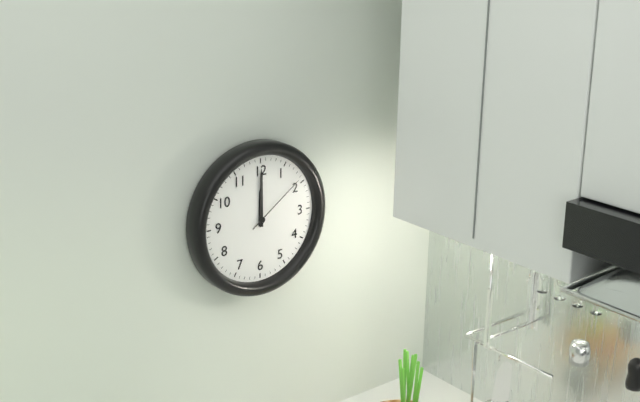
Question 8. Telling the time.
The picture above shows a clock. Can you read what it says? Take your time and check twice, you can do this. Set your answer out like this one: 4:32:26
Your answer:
12:00:09
